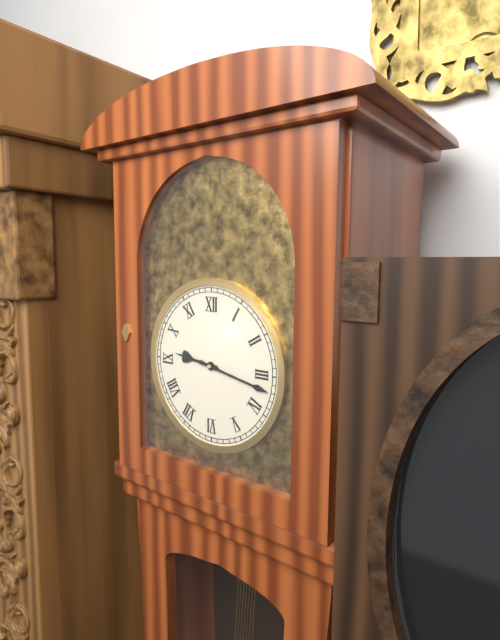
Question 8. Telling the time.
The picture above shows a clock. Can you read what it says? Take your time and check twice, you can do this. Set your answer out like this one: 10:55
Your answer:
9:17
